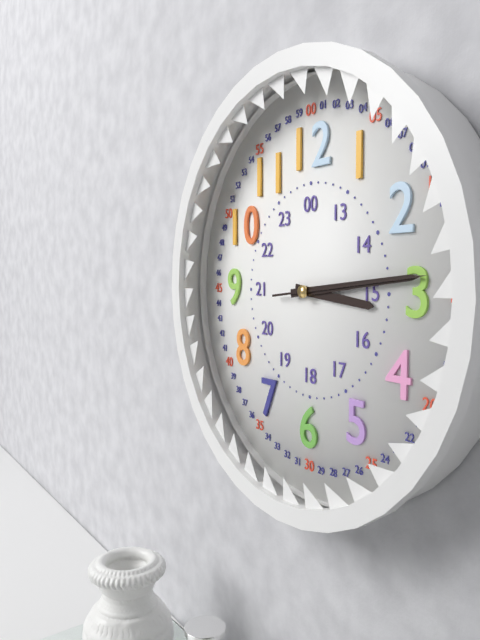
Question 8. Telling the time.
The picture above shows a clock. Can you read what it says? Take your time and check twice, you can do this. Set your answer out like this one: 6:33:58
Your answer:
3:14:14
